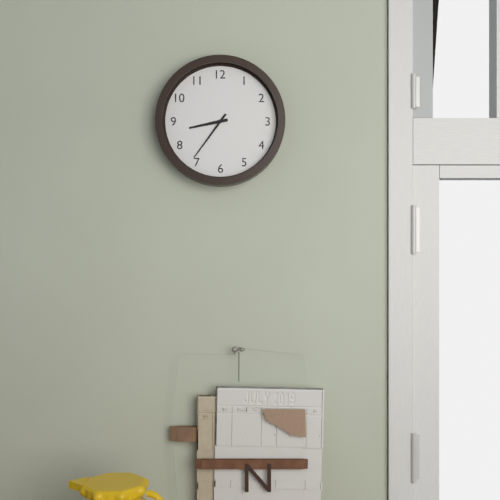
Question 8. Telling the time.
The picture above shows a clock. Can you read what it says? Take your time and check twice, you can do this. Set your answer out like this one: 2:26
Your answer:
8:36
